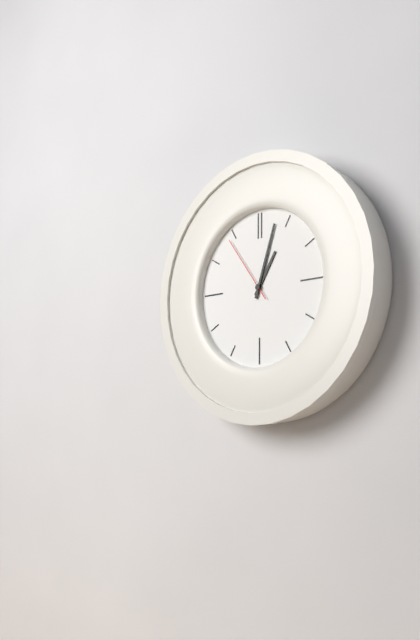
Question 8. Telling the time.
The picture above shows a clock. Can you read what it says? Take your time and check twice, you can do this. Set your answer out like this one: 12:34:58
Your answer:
1:03:54
